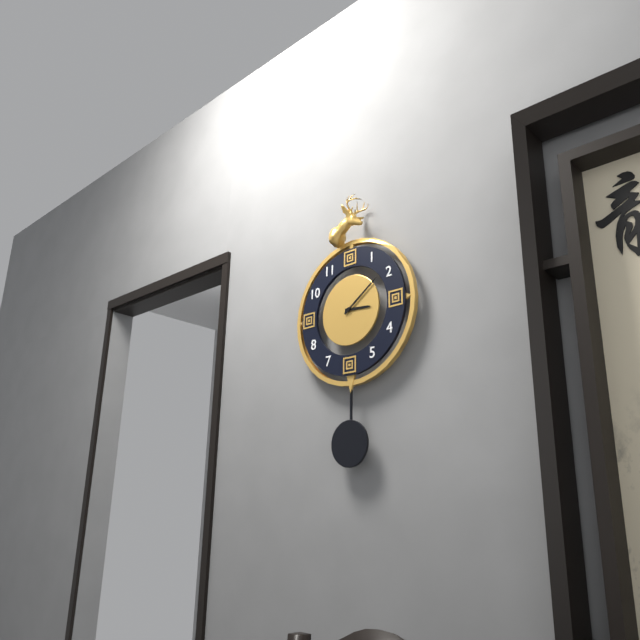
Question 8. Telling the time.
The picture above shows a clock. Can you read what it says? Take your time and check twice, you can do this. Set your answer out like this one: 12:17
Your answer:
3:09
